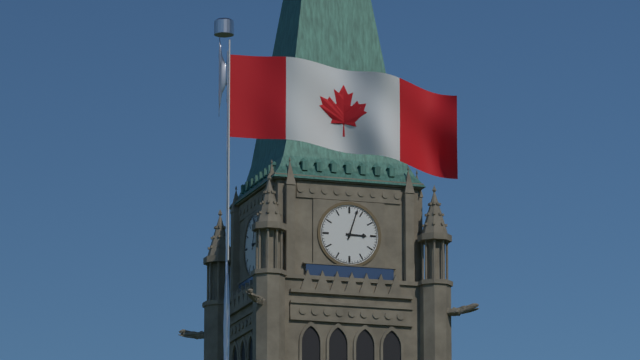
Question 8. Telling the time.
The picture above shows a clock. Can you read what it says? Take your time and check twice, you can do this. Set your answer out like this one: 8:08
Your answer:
3:03
